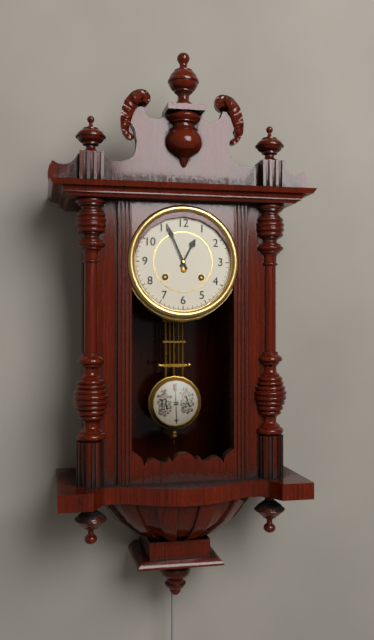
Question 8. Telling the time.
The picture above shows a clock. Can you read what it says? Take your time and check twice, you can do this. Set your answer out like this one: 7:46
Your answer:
12:56
